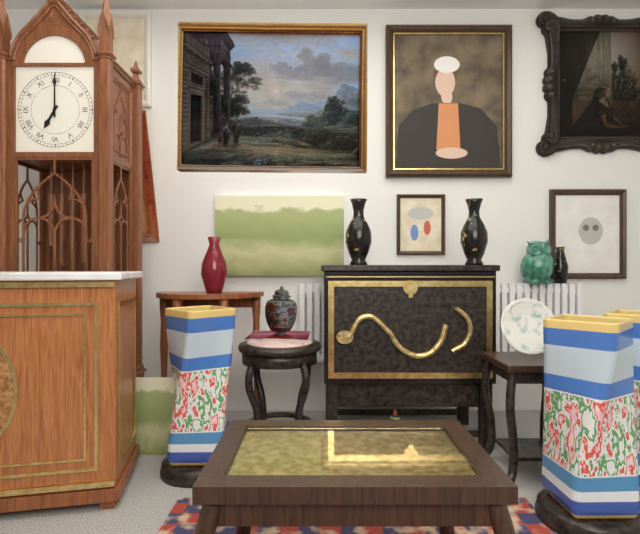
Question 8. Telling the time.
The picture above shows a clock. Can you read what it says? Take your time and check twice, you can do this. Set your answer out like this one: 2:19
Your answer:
7:00
